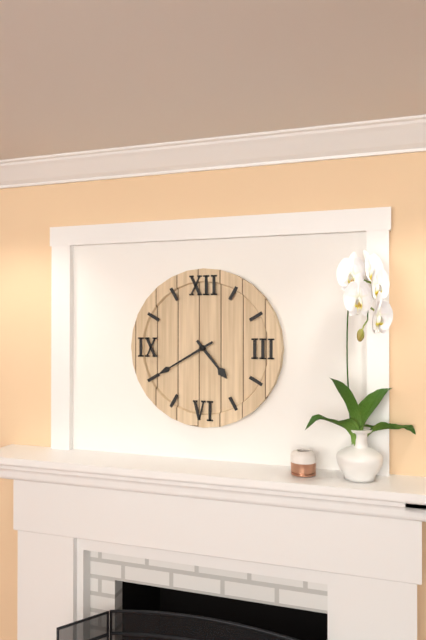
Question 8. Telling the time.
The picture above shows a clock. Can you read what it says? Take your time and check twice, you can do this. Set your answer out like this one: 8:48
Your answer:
4:40
